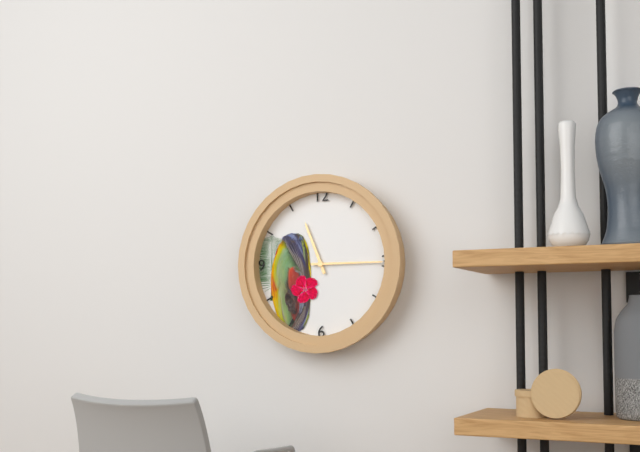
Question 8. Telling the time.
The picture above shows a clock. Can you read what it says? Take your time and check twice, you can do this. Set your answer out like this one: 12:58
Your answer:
11:15
